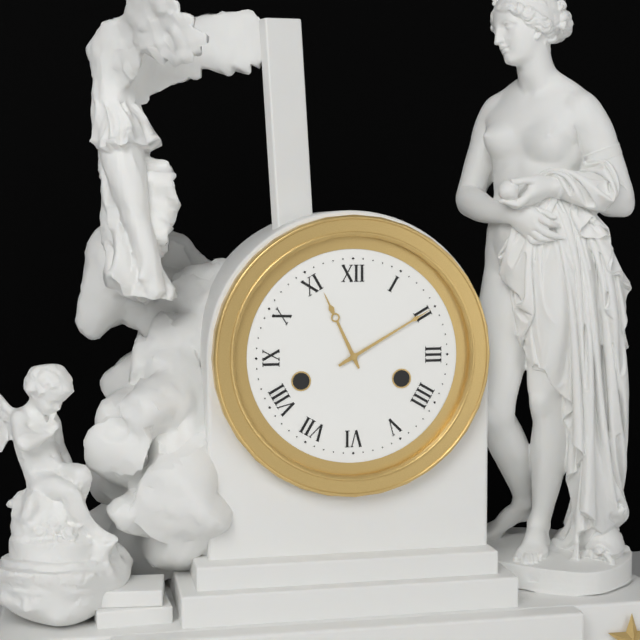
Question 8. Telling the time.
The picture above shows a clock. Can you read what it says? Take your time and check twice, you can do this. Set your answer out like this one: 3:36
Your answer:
11:10
